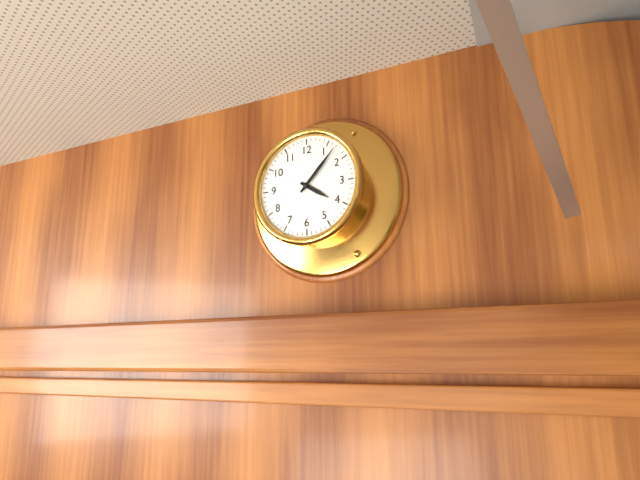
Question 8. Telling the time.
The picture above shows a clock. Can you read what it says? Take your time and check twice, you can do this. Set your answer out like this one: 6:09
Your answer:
4:07
